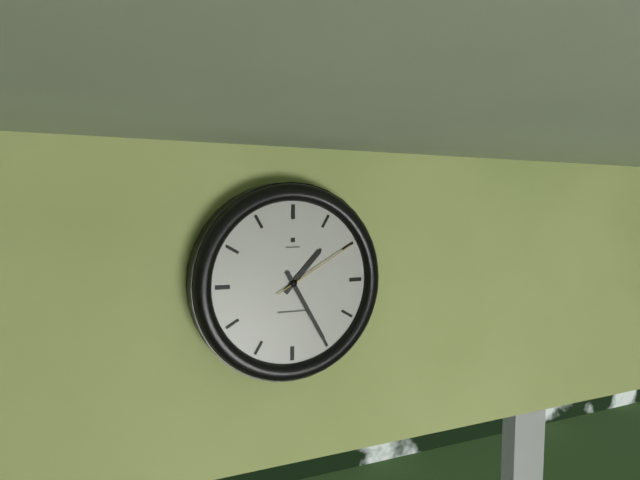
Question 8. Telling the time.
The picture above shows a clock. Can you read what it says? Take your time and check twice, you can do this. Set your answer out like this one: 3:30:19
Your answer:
1:25:10
